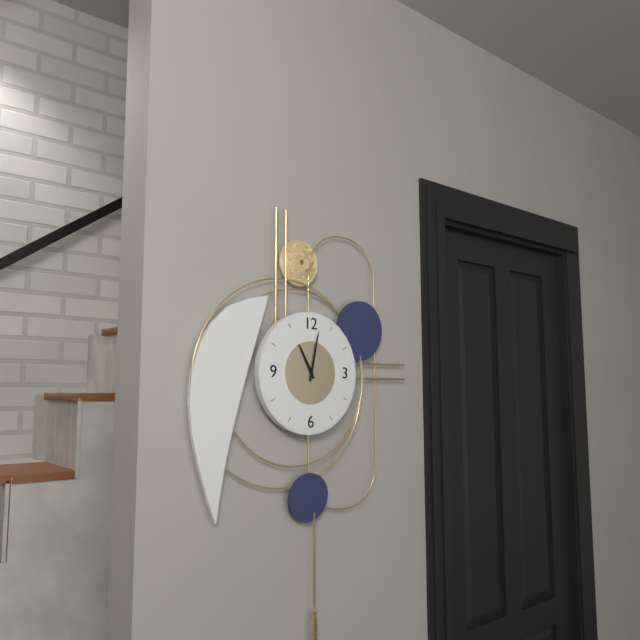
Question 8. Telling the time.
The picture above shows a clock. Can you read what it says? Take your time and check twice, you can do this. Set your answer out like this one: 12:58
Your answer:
11:02
